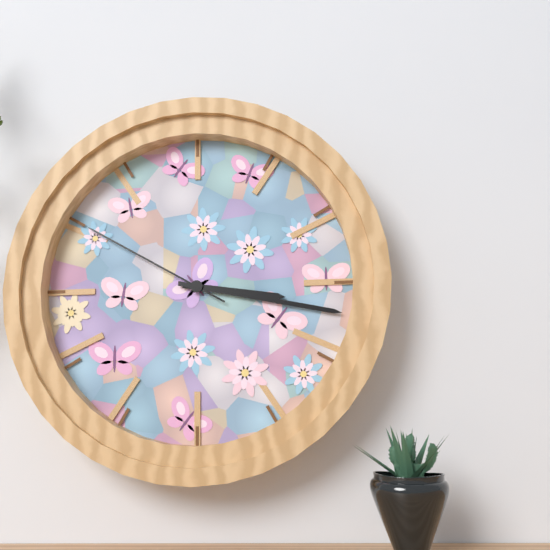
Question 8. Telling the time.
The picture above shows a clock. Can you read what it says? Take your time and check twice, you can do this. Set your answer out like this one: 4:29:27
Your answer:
3:17:50
